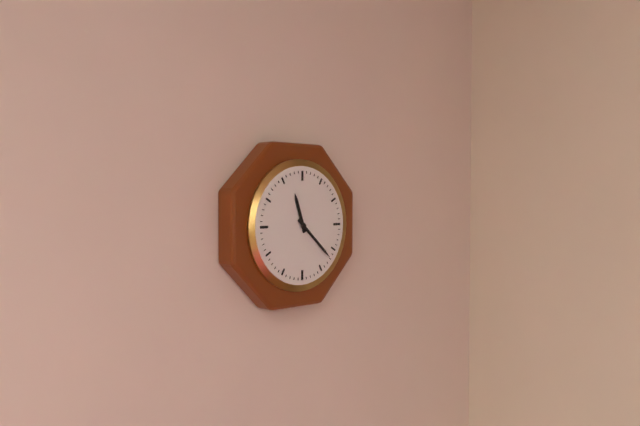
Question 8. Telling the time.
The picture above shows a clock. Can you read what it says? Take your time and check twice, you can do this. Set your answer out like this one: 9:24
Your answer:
11:22
